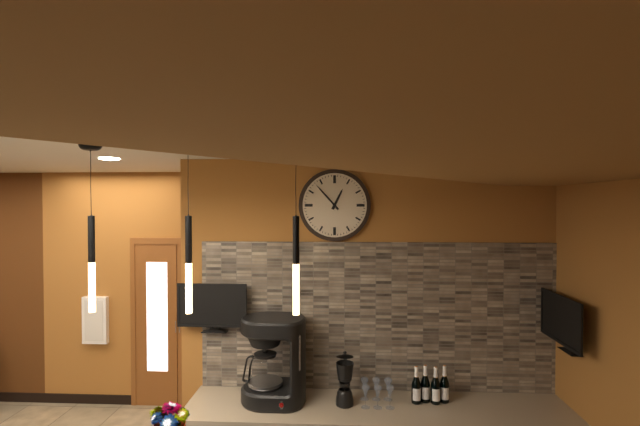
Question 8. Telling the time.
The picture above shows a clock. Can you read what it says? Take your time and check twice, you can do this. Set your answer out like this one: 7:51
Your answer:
12:53
